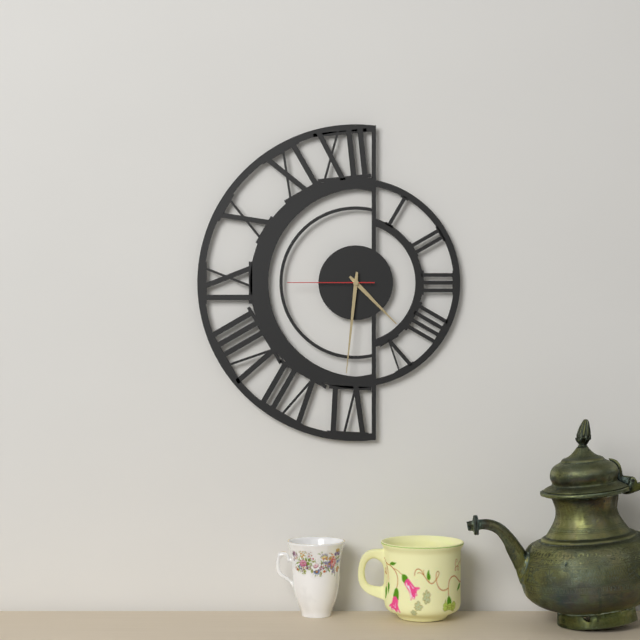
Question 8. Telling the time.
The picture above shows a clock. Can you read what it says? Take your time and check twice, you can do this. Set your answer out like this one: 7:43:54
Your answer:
4:31:45
